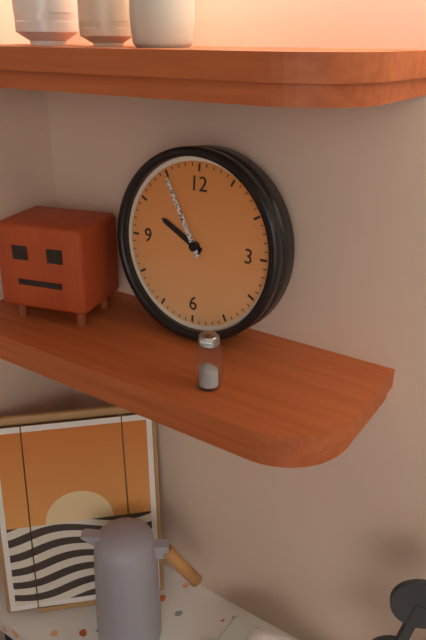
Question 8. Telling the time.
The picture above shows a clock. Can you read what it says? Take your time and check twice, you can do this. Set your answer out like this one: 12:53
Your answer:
9:55
